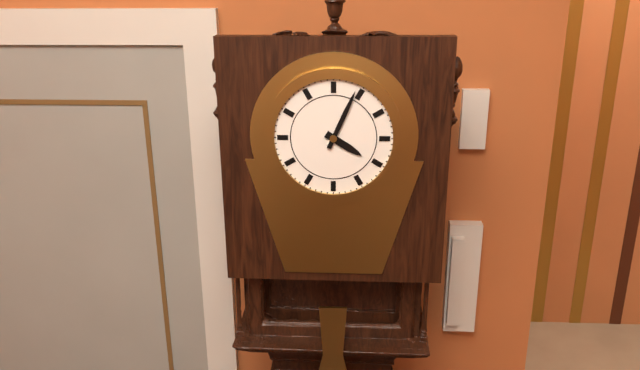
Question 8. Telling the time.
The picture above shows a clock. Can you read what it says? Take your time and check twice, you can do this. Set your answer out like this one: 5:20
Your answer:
4:04
